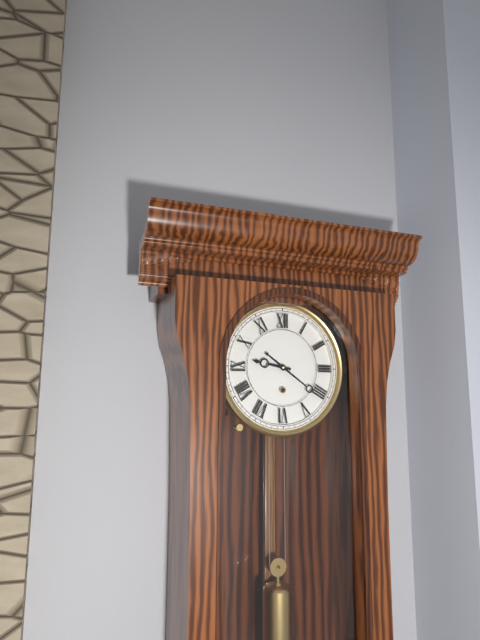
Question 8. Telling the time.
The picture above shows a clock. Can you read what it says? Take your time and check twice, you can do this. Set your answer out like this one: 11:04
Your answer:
9:21
